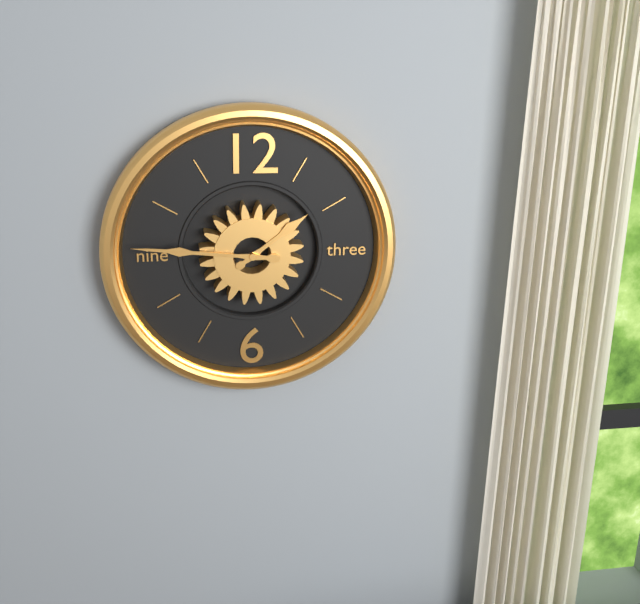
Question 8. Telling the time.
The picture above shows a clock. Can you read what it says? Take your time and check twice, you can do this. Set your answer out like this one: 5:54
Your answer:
1:46
